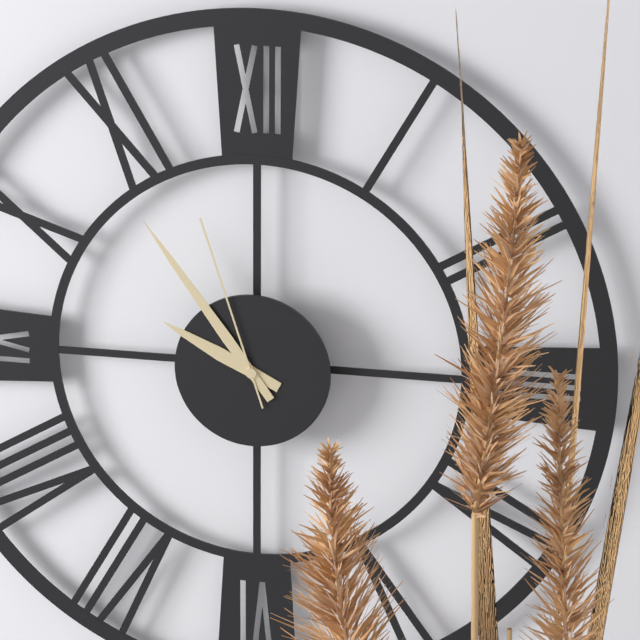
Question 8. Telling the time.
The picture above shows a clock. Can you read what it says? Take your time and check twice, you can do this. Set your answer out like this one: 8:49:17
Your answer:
9:54:57
